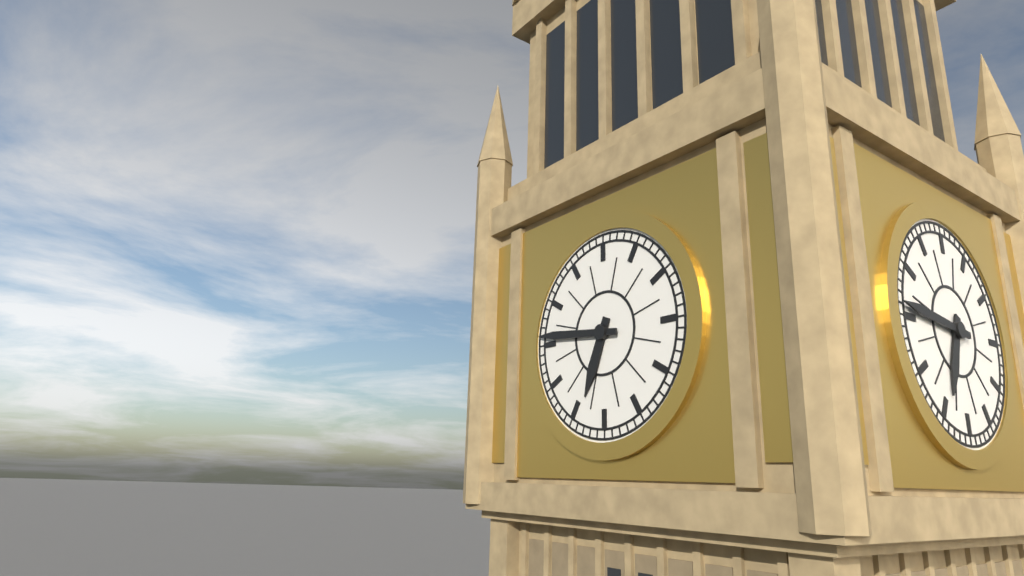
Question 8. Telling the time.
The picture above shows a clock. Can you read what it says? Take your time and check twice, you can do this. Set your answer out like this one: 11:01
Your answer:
6:46
